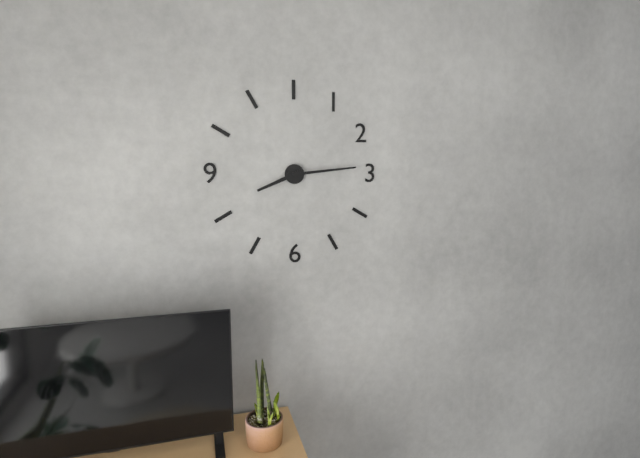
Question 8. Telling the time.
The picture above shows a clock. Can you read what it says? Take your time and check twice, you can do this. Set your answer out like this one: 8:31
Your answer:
8:14
